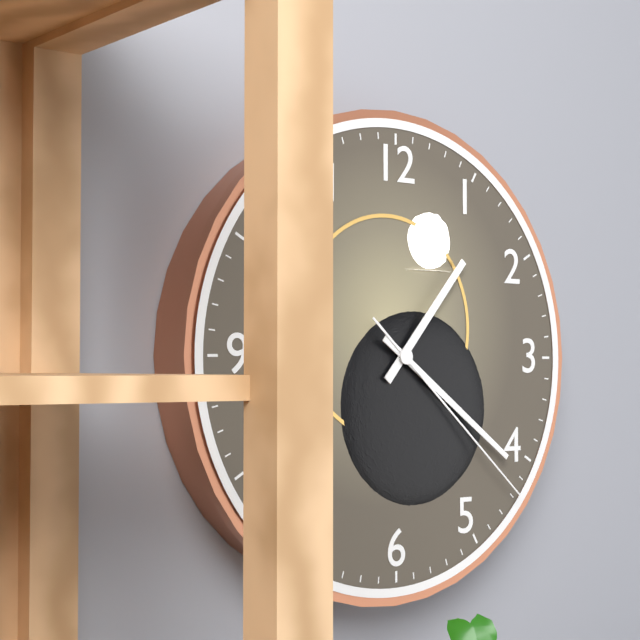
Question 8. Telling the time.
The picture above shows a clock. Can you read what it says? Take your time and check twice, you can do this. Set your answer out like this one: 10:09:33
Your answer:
1:21:22
